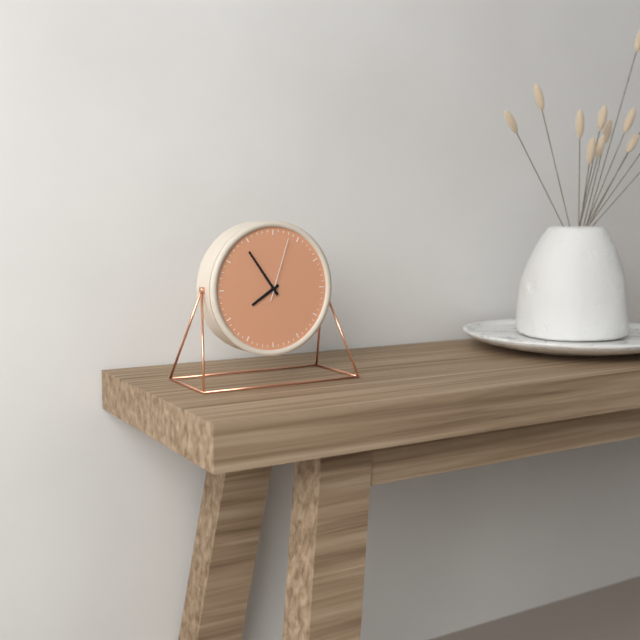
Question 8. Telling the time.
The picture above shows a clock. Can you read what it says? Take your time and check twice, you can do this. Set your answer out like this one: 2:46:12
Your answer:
7:54:03
